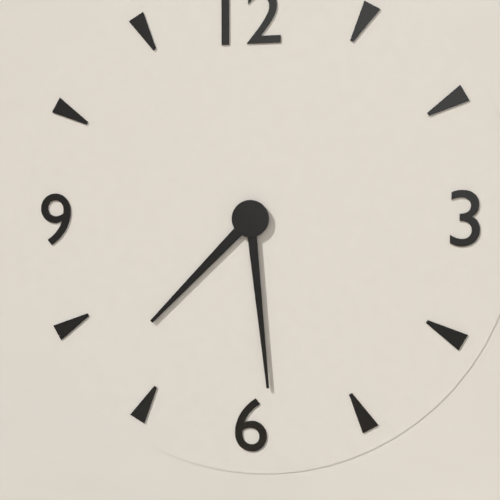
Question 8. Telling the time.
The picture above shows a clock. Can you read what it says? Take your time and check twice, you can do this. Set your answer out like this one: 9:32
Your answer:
7:29
